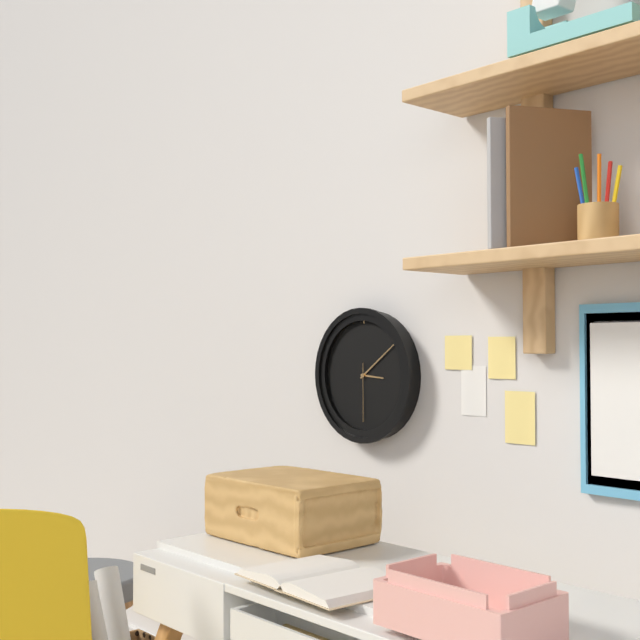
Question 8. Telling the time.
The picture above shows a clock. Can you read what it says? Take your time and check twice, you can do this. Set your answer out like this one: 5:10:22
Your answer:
3:09:30
